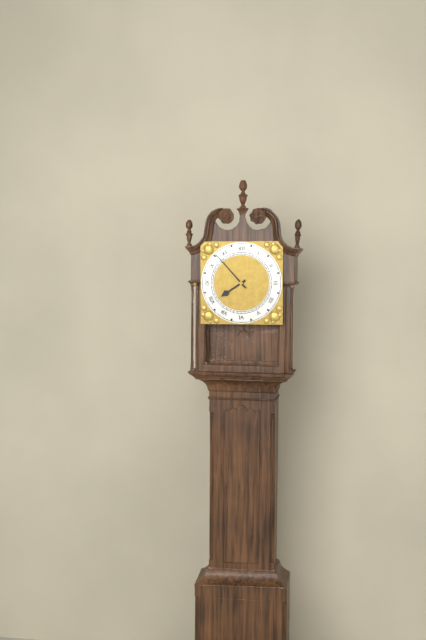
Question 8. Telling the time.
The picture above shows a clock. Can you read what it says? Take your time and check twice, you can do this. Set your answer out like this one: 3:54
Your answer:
7:53
